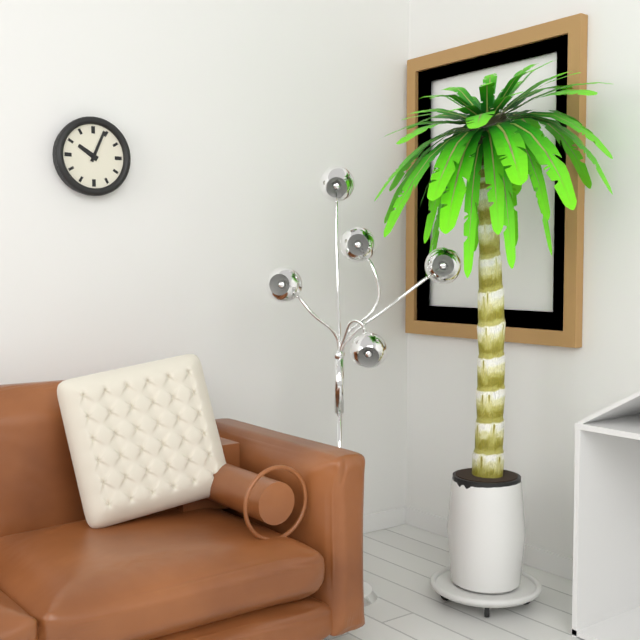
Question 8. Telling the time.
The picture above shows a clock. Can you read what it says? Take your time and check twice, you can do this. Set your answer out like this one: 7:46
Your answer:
10:04
